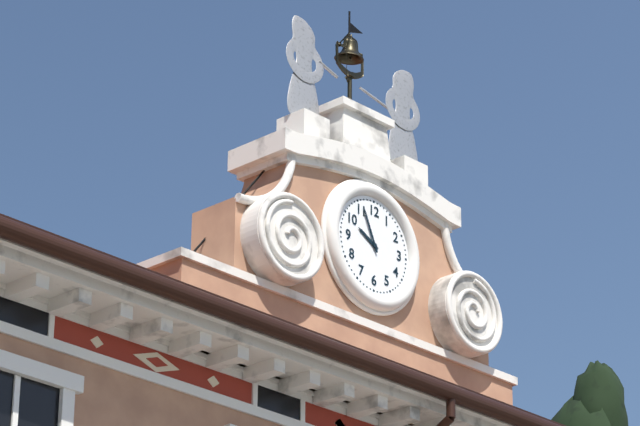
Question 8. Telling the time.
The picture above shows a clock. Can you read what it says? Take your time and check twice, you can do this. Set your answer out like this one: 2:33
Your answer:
9:56
